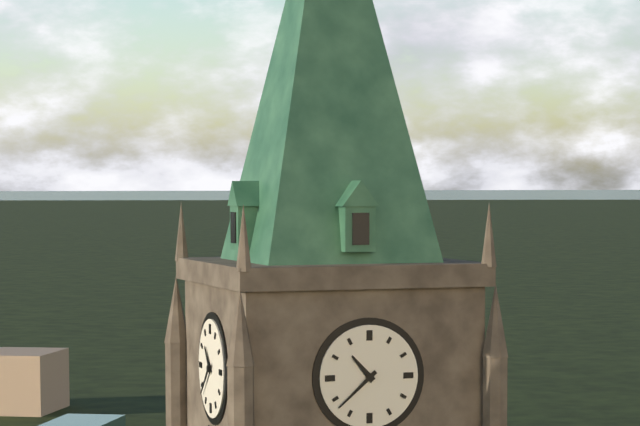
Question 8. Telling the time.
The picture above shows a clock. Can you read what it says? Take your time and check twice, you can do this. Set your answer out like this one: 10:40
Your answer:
10:38
